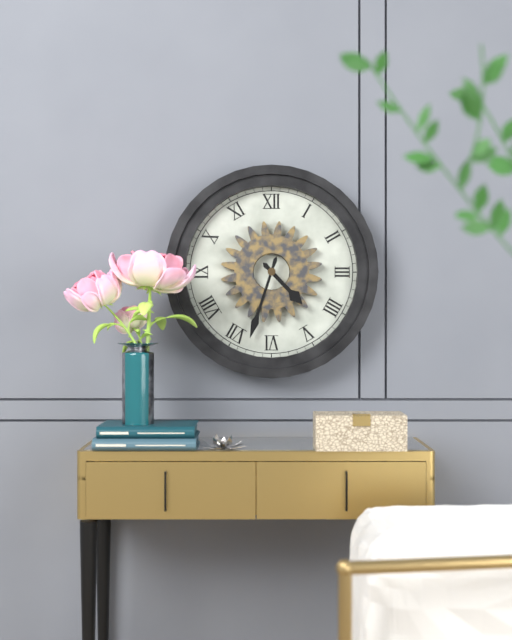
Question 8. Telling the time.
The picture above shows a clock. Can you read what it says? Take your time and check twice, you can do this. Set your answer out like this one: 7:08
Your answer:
4:33
